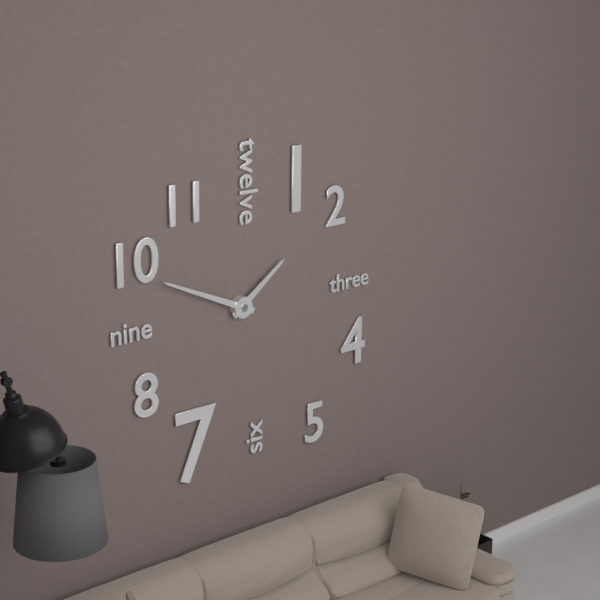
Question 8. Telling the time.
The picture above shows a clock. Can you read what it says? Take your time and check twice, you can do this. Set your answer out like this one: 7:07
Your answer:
1:49
